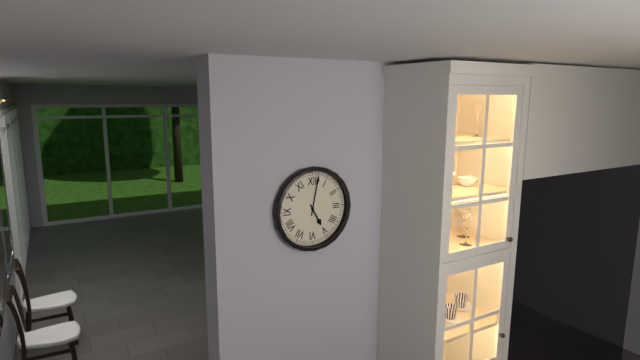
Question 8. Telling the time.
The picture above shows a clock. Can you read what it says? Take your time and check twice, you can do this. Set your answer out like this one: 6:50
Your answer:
5:02
